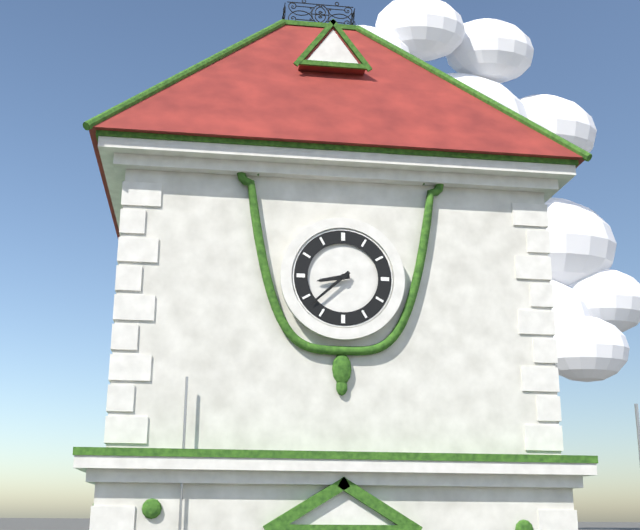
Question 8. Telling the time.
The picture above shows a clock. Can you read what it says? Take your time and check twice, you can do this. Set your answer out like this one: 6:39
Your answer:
8:38
